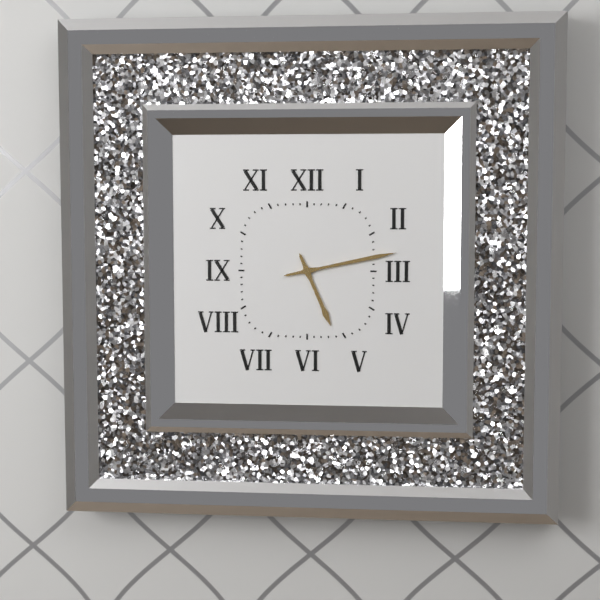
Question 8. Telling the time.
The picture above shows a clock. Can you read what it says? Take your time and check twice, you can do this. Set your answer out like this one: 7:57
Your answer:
5:13
